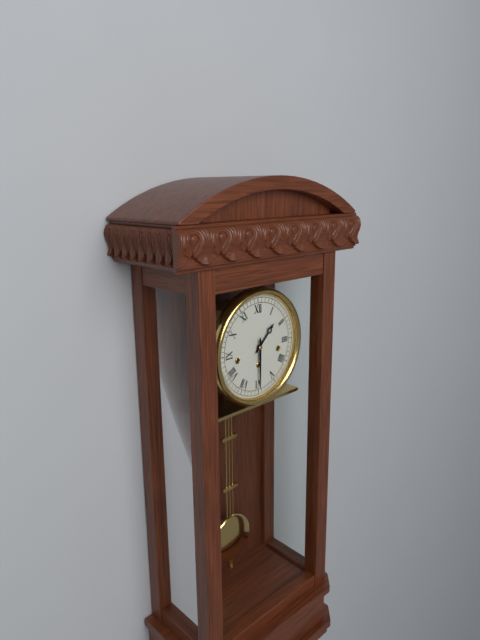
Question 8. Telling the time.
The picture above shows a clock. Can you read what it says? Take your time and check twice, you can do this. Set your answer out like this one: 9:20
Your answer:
1:30
